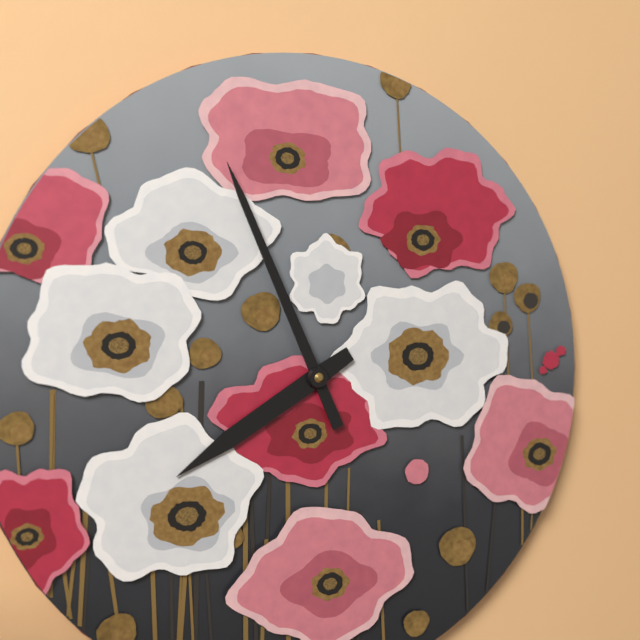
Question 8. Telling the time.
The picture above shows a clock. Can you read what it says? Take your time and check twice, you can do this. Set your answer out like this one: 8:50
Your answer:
7:56
